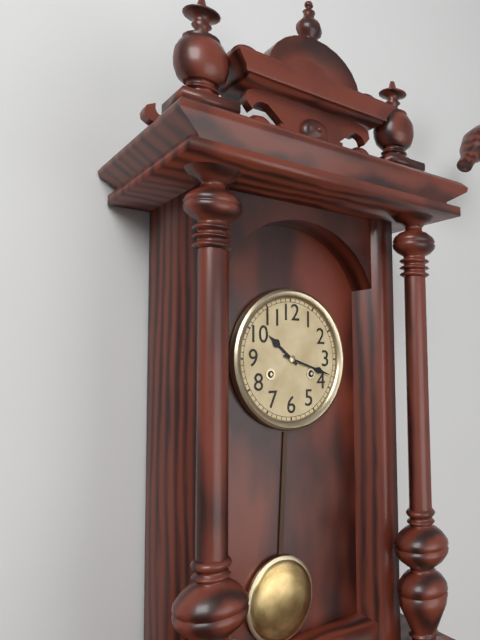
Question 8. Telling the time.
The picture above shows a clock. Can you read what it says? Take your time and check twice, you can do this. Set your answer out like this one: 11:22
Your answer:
10:18
